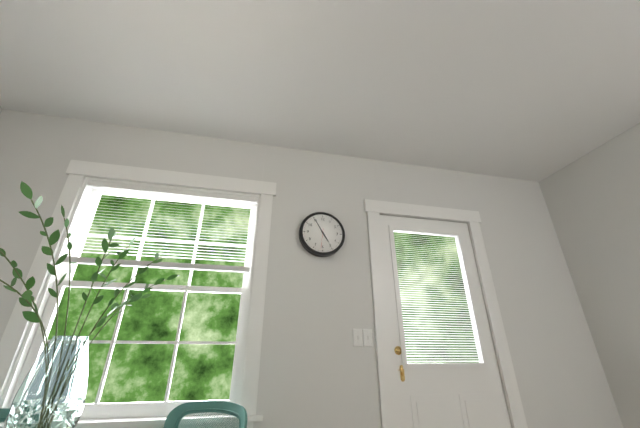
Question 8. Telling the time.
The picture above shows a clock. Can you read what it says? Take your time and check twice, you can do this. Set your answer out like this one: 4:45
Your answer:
4:55
